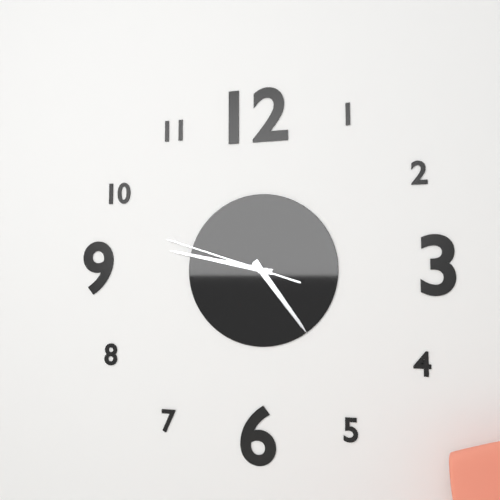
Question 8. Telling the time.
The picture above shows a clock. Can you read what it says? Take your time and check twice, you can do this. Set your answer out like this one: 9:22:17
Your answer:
4:47:48
